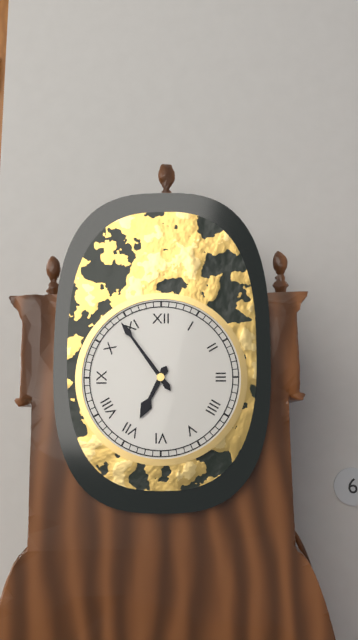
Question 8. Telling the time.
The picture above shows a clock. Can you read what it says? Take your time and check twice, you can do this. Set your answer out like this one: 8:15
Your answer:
6:54
